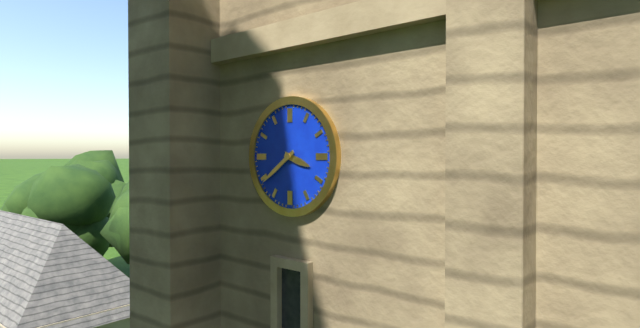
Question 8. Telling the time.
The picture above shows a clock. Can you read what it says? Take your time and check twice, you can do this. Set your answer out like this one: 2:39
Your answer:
3:39
